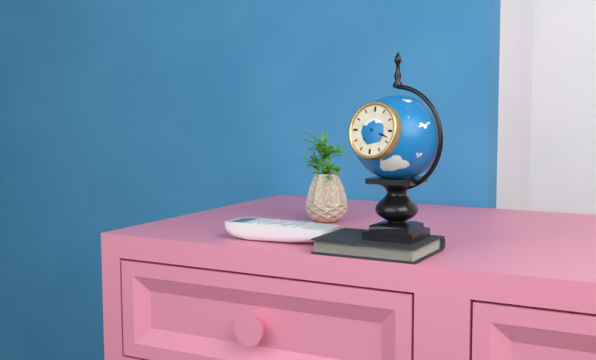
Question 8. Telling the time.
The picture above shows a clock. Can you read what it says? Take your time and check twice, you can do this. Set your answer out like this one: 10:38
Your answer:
7:18
